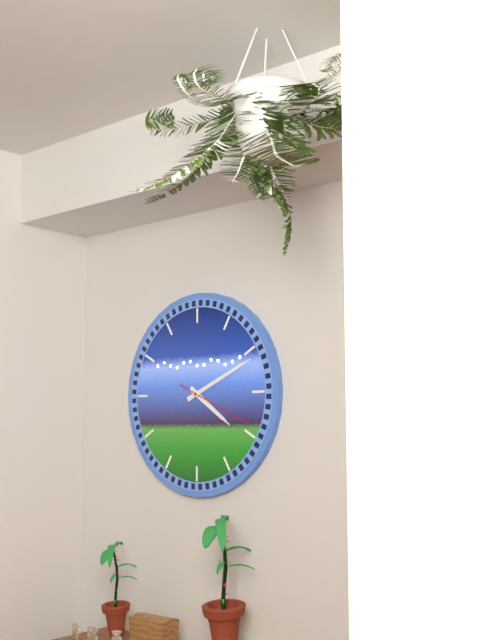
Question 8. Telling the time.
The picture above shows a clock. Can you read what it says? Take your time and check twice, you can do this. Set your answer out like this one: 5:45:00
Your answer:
4:11:19
